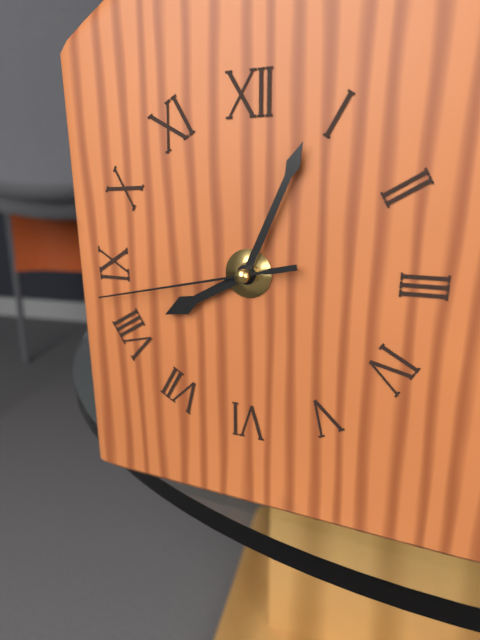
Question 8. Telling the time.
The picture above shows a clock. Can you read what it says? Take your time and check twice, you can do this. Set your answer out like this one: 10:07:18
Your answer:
8:04:43
